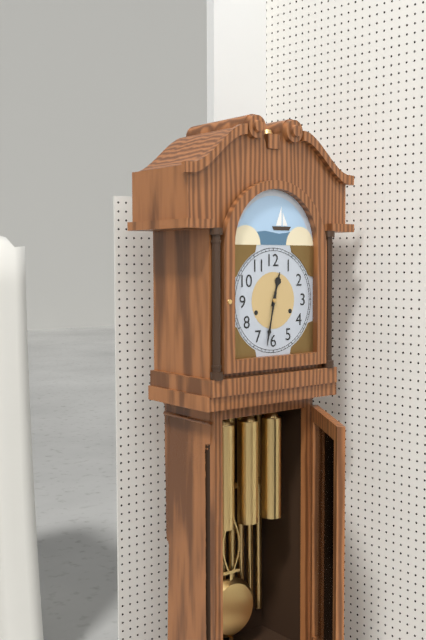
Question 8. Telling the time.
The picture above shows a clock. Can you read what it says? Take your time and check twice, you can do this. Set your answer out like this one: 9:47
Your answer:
12:32
